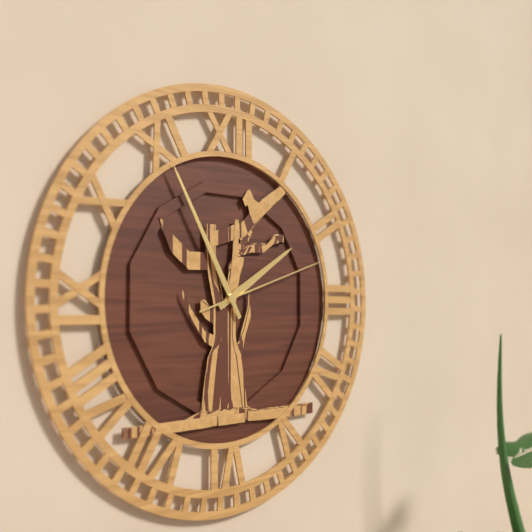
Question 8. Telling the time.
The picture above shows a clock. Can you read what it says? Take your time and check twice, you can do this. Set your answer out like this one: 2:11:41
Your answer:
1:55:12
